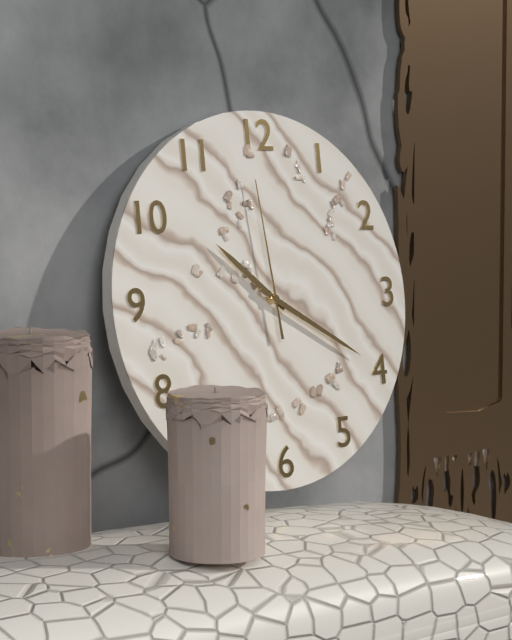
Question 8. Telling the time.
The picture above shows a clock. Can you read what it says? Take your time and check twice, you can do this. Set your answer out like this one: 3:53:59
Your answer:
10:20:59
